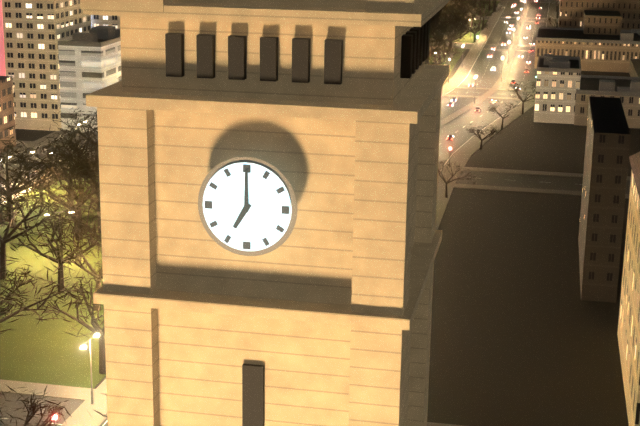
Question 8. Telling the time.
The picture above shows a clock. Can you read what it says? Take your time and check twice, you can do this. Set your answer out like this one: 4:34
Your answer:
7:00
